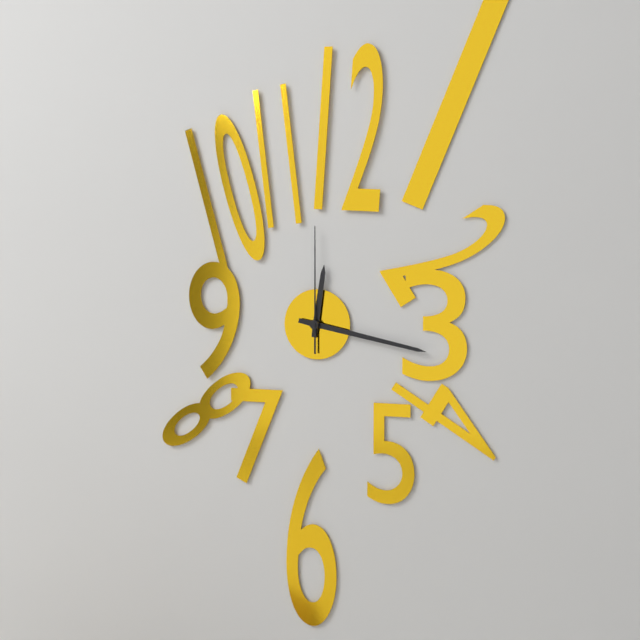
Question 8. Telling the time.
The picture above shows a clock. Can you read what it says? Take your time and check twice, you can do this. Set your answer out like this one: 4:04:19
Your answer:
12:17:00
